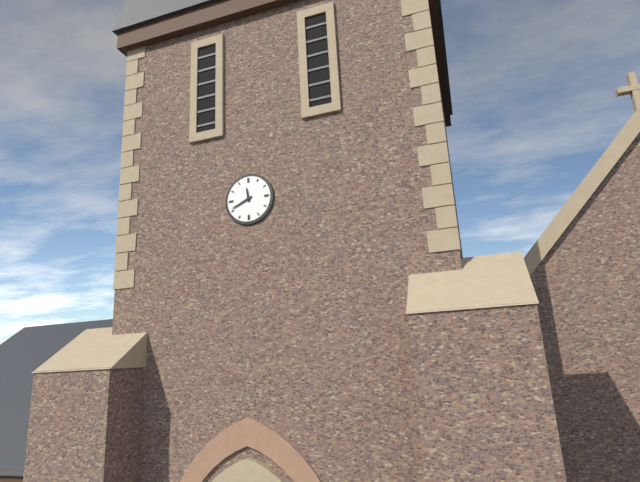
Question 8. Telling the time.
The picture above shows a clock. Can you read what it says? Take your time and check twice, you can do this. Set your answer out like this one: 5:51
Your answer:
11:41
